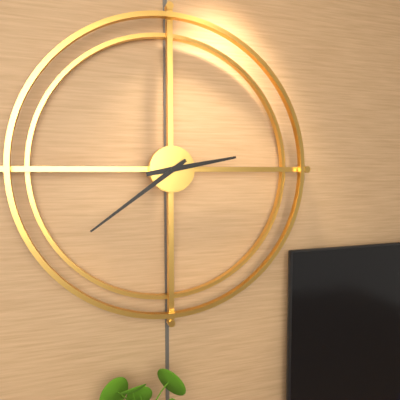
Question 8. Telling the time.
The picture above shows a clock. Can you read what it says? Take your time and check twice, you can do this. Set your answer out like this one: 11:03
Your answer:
2:39
